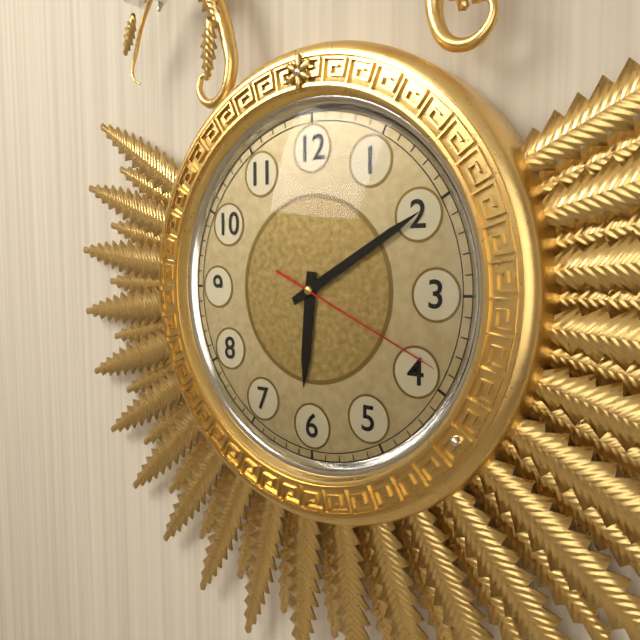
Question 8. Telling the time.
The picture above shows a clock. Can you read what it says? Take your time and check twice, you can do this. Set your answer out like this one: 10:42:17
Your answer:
6:10:19
